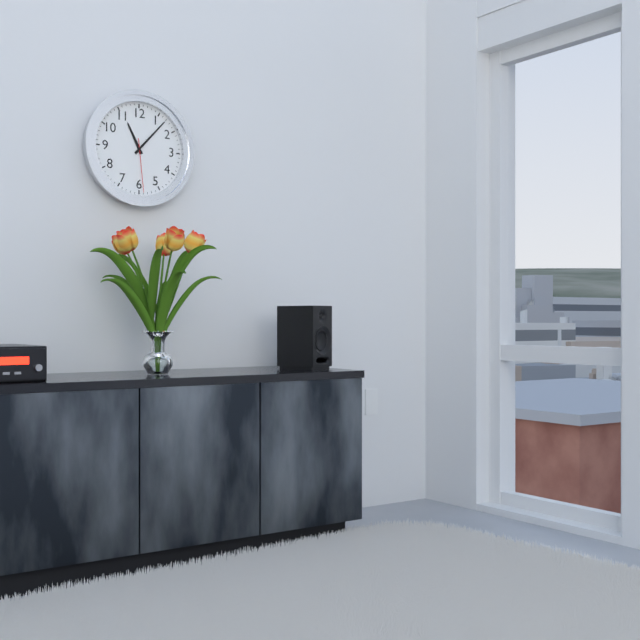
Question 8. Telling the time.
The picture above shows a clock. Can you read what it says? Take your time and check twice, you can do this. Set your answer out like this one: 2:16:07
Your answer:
11:07:29
